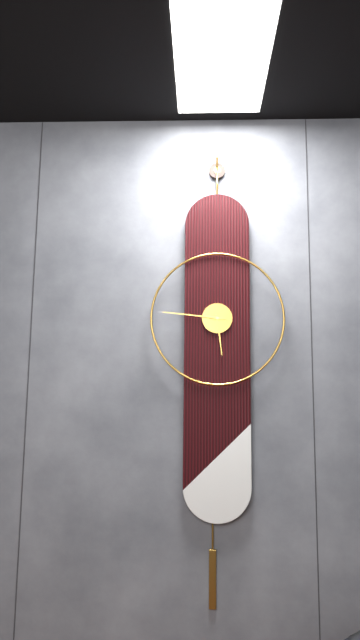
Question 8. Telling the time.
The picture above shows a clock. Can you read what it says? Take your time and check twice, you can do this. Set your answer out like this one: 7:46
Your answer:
5:46
